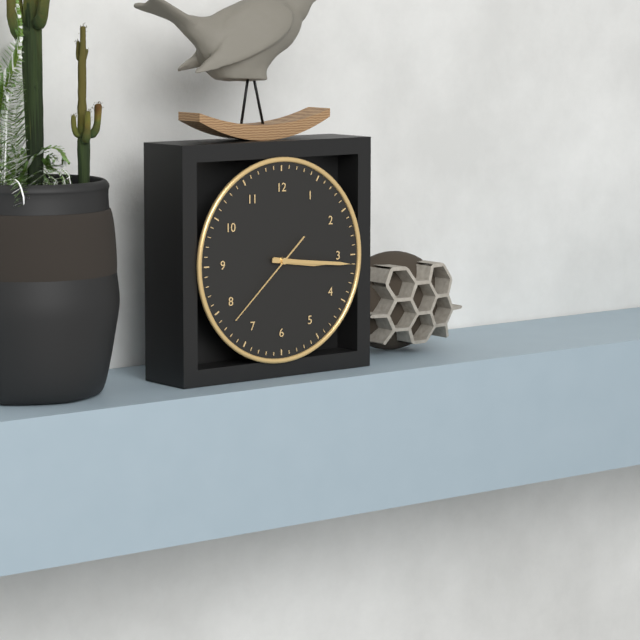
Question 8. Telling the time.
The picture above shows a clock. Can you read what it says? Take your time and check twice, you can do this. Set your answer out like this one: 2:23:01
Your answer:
3:16:38
